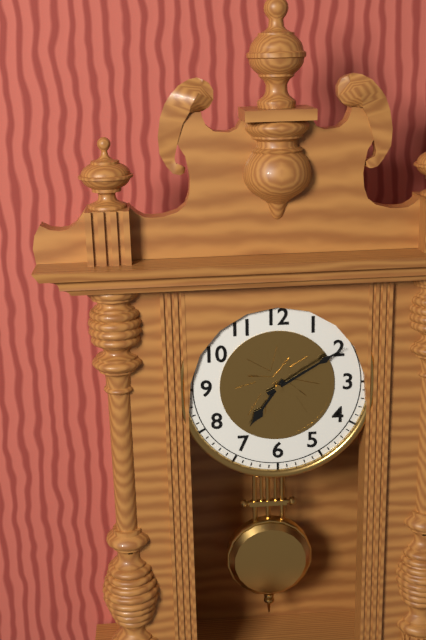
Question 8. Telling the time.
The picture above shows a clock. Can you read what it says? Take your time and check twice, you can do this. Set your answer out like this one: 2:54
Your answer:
7:10
